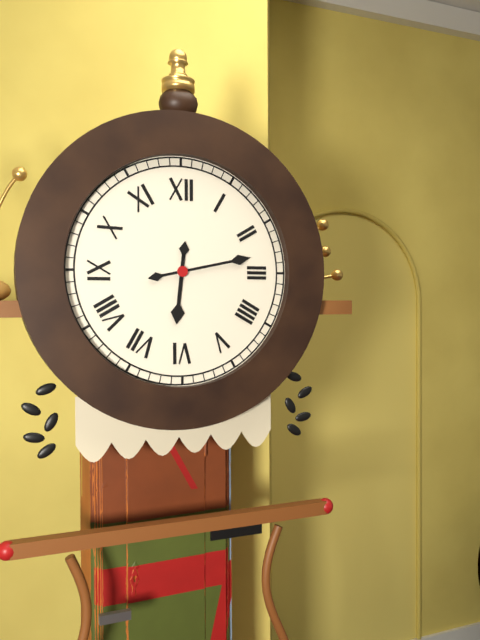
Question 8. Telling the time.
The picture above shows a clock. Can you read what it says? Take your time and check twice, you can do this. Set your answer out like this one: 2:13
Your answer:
6:13
